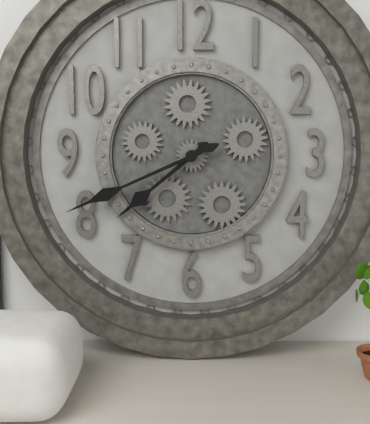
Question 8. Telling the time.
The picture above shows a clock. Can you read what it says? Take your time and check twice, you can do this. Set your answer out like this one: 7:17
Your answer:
7:41
